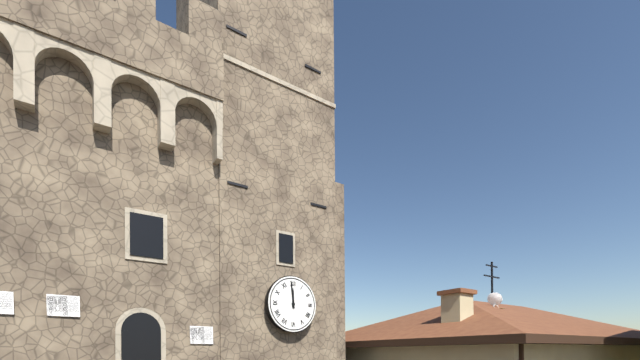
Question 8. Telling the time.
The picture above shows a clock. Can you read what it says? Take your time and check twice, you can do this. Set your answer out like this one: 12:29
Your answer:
11:59
